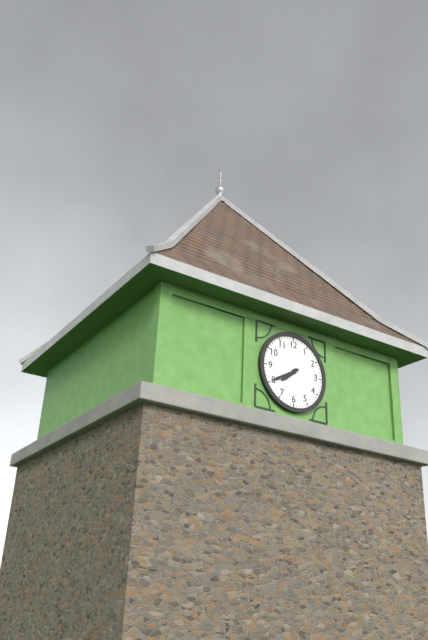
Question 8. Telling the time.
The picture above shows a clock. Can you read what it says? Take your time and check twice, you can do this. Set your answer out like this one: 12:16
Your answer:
7:40
